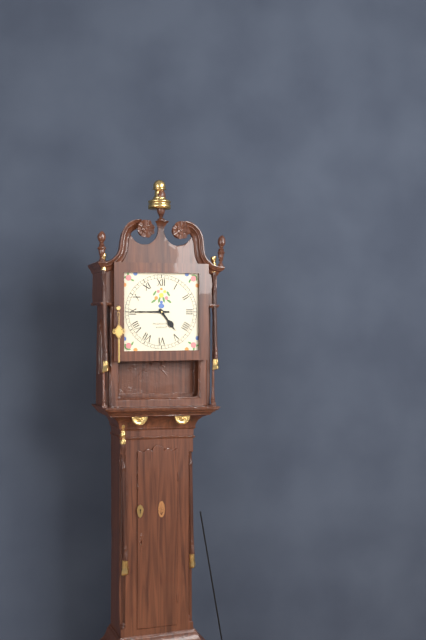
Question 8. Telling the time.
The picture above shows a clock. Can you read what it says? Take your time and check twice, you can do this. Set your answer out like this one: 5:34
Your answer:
4:45
